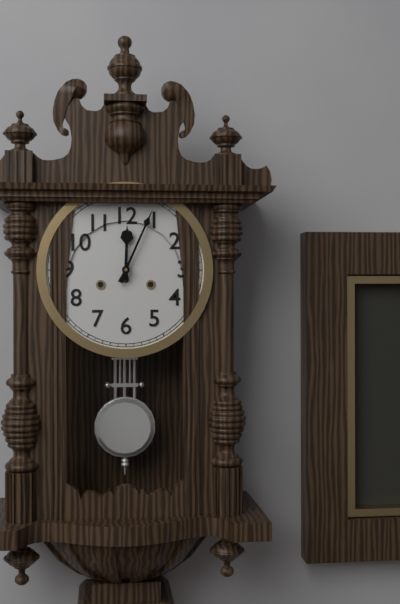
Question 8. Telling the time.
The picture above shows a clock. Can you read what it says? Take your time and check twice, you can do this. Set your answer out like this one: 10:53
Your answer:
12:04
